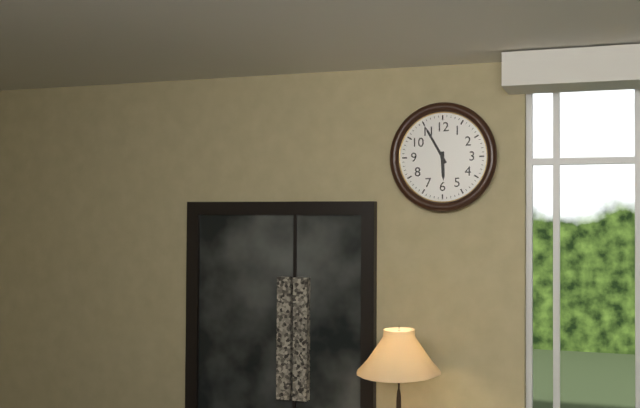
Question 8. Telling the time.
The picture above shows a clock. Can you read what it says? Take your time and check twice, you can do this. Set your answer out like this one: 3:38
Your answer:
5:55
